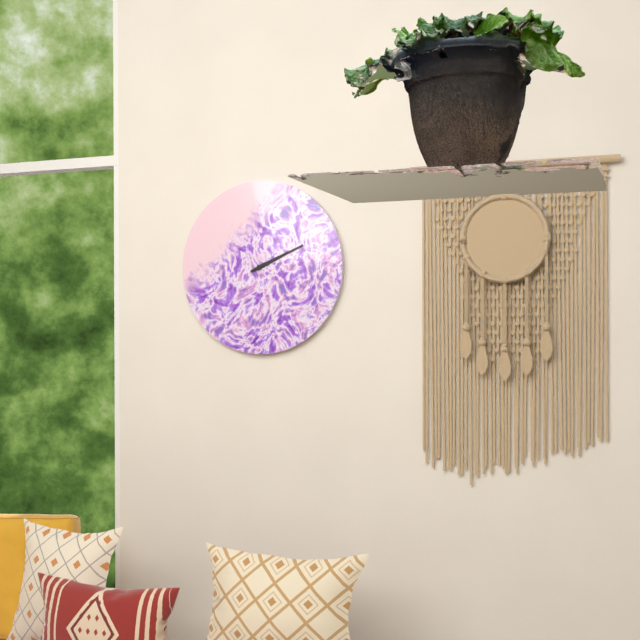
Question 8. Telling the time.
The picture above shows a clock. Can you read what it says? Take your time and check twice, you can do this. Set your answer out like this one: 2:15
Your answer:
2:11
